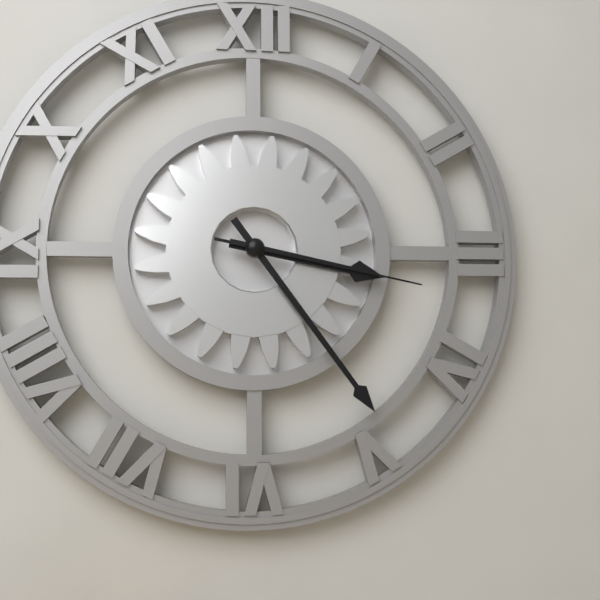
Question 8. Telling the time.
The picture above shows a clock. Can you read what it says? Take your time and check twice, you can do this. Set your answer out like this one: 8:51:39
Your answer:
3:24:17
